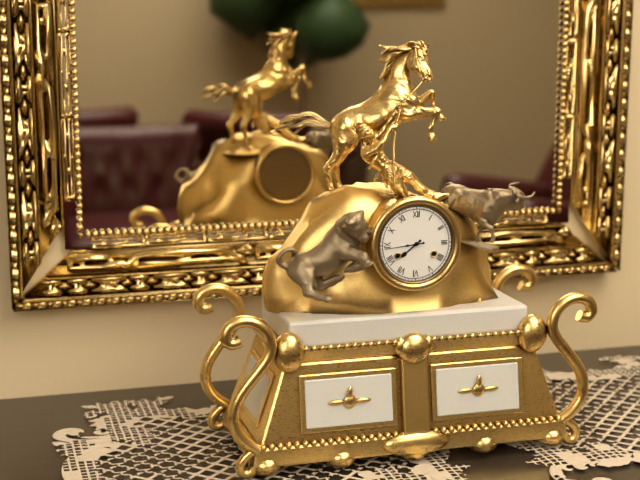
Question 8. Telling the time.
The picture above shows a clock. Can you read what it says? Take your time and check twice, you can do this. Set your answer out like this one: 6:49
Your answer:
7:44
